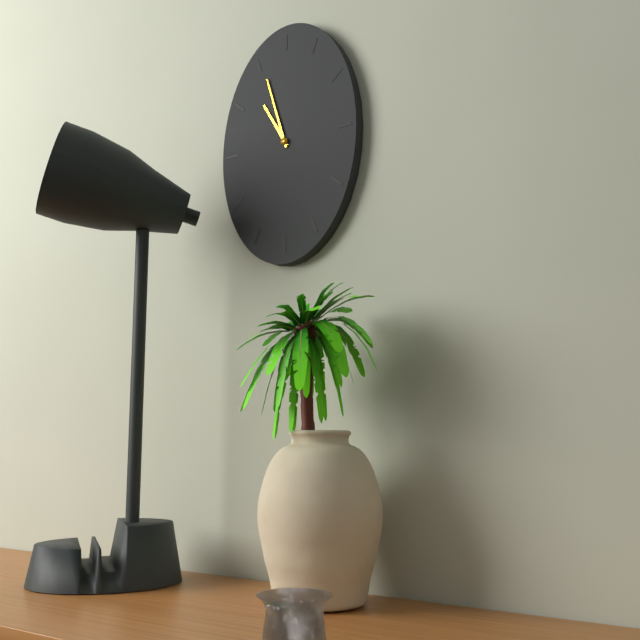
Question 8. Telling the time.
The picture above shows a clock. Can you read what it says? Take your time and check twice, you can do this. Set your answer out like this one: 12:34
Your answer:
10:57
